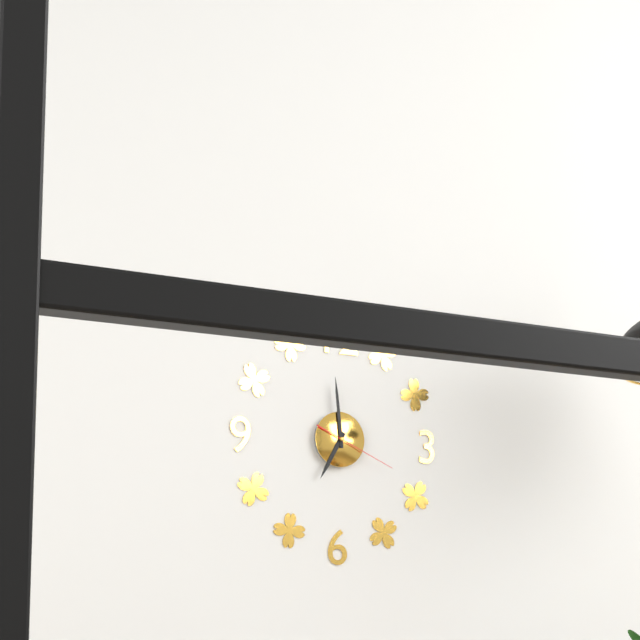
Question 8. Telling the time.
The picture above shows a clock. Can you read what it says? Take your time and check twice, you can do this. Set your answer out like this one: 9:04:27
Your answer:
6:59:19
